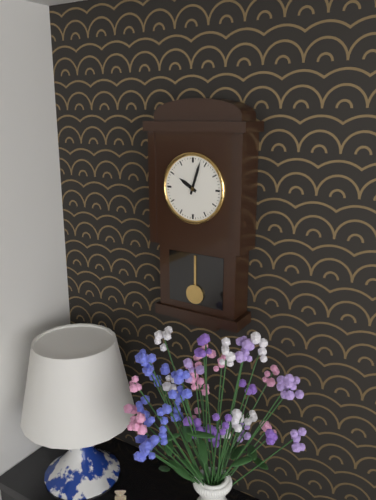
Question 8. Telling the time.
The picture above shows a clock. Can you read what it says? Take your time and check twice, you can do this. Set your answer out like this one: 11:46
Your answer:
10:03
